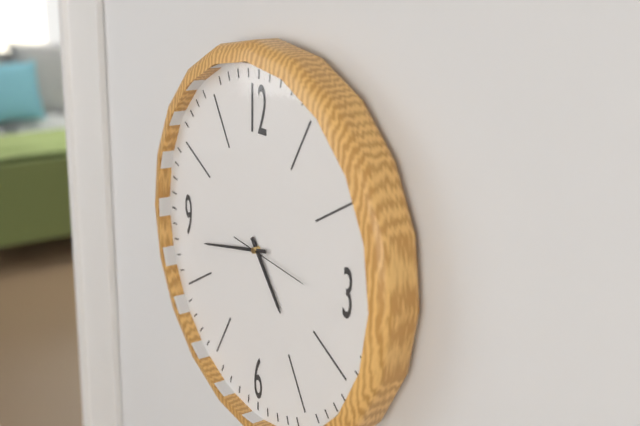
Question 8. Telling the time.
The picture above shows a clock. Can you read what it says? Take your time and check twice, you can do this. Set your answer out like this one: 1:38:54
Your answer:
4:43:16
